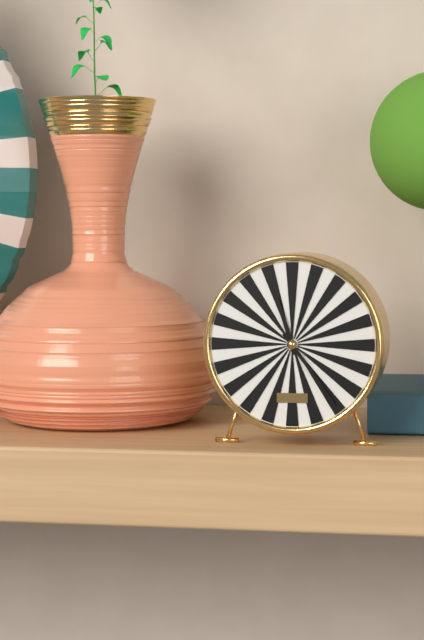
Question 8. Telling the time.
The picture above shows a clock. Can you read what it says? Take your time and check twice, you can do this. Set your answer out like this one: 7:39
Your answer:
11:24
